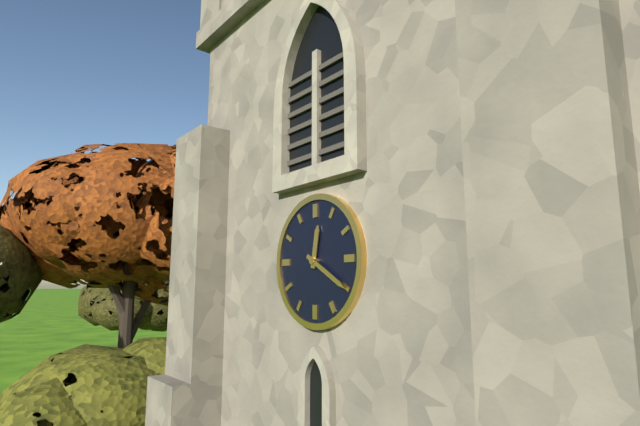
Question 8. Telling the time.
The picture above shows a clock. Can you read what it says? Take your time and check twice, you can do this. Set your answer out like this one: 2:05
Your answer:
12:20
